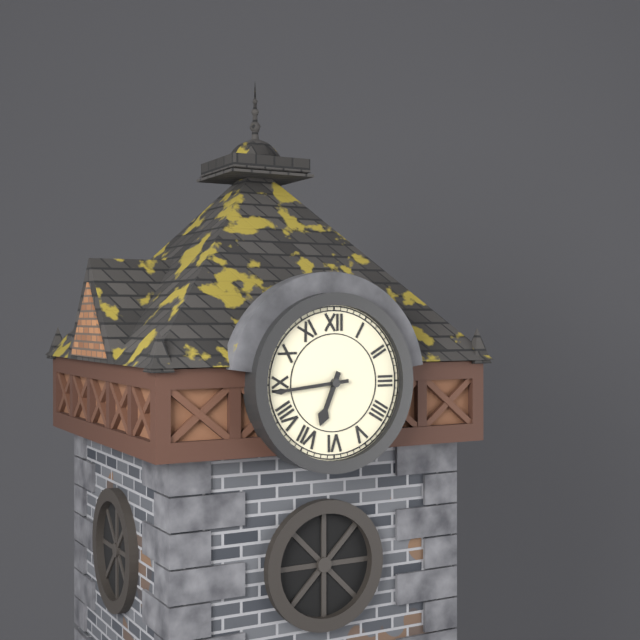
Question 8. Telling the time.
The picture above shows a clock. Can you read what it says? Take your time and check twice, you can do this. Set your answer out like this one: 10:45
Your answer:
6:44
